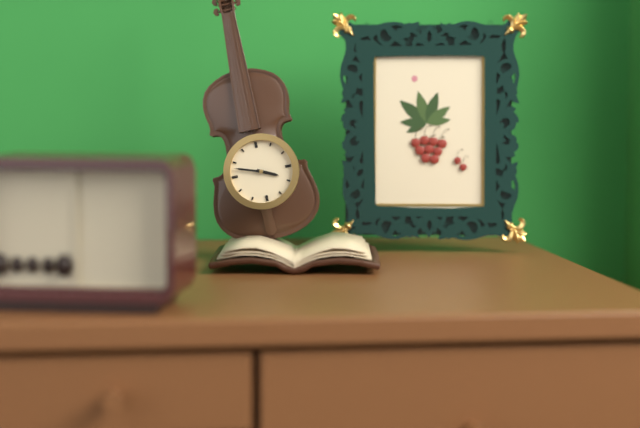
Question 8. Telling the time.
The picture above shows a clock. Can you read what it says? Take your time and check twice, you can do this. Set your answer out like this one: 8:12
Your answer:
3:48
